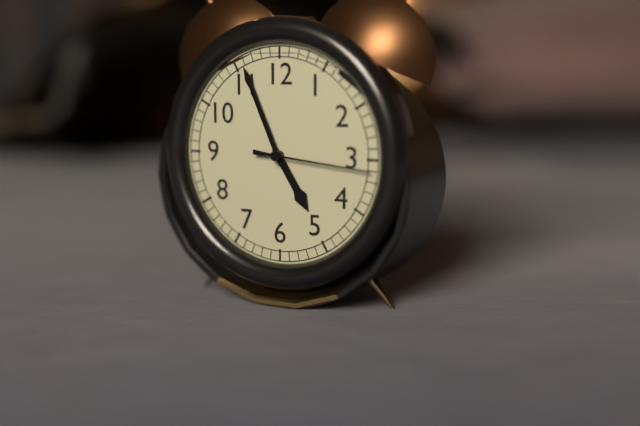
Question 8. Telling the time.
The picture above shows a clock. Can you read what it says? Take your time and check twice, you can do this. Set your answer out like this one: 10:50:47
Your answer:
4:56:16
